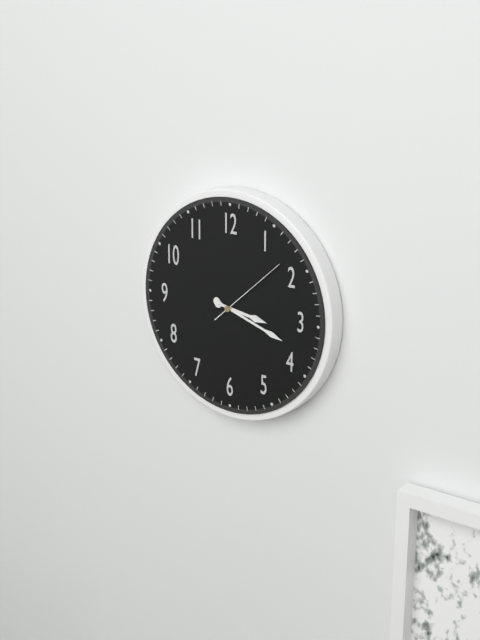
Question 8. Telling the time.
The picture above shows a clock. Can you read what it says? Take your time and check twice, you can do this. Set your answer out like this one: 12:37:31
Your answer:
3:18:08
